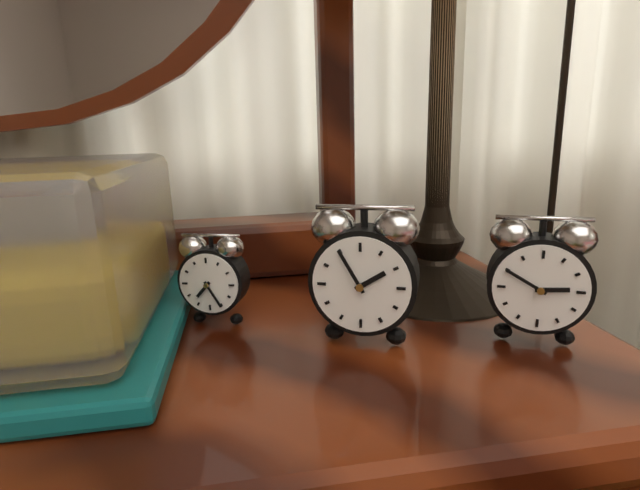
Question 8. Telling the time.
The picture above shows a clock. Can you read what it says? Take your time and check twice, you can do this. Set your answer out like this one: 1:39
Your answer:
1:55
